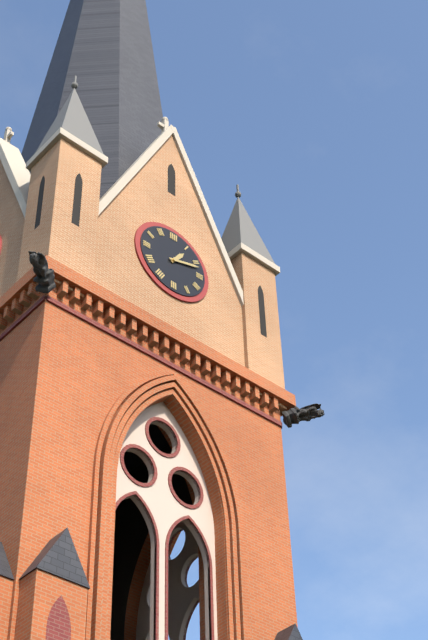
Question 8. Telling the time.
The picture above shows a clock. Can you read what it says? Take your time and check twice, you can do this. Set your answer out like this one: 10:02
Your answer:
1:12
